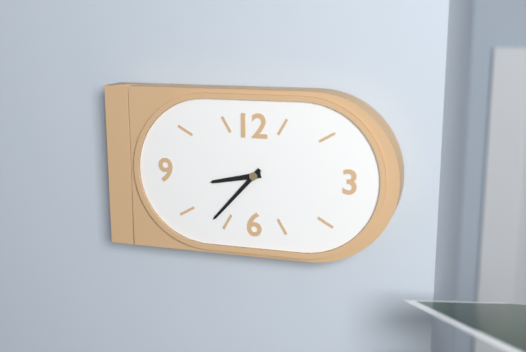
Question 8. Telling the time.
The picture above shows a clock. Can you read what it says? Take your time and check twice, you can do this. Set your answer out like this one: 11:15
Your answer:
8:37
